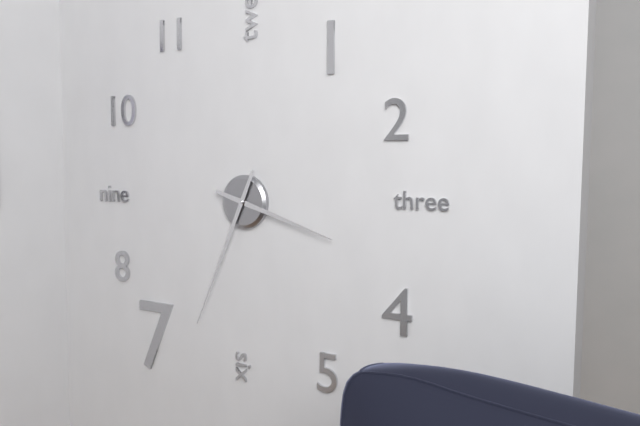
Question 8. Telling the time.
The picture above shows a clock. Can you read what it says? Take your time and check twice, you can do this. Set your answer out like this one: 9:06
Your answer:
3:34
